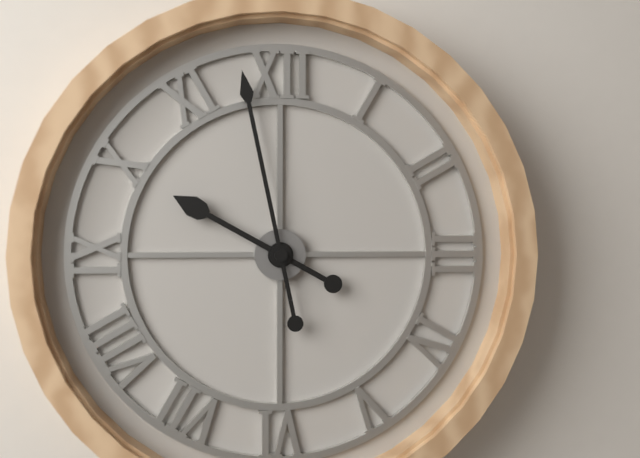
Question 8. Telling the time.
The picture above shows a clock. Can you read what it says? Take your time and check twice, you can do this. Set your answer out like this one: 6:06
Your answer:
9:58
